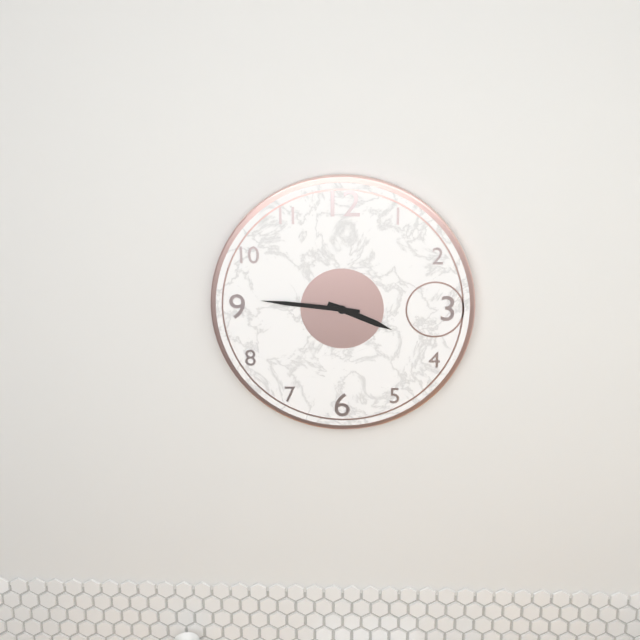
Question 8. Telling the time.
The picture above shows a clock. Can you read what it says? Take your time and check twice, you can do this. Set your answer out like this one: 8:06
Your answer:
3:46
